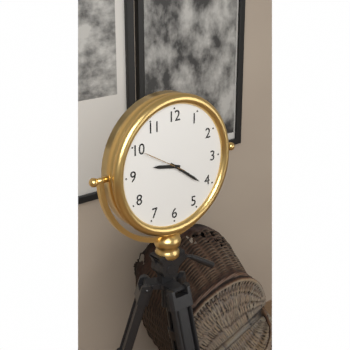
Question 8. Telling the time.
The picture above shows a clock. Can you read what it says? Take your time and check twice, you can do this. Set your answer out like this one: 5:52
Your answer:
9:21
